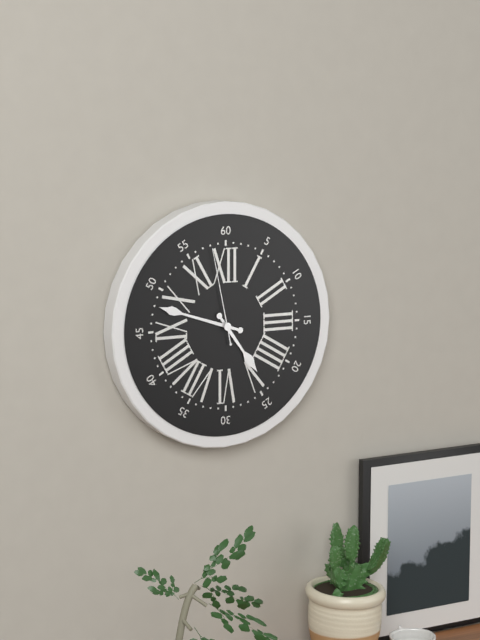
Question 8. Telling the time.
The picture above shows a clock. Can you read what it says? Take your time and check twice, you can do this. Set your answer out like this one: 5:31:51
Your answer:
4:48:58
